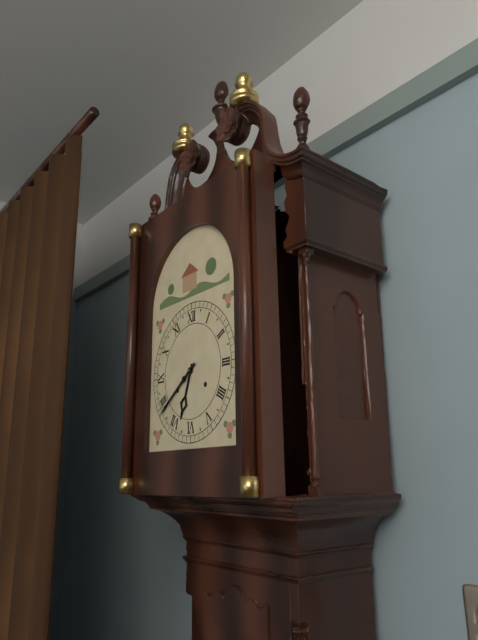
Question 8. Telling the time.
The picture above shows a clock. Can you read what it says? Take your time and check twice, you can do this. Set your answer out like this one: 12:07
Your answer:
6:39
